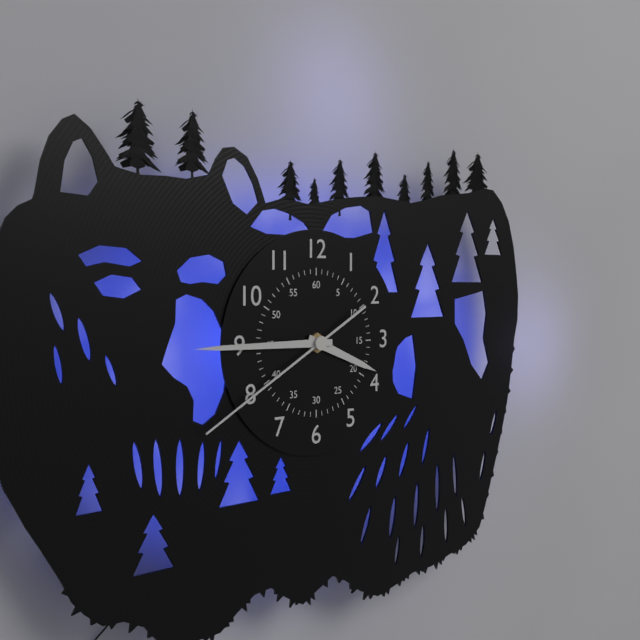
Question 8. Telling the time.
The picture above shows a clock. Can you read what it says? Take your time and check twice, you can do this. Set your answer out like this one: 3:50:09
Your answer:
3:45:40
